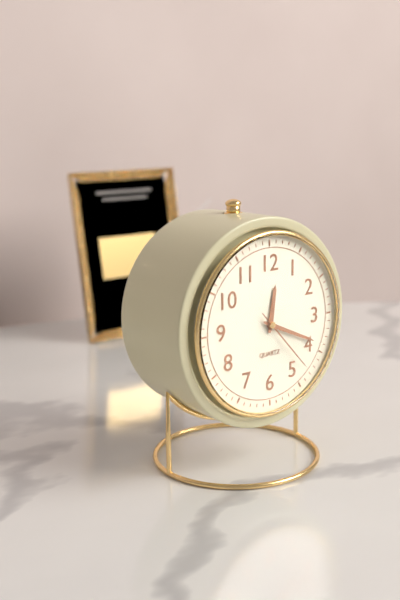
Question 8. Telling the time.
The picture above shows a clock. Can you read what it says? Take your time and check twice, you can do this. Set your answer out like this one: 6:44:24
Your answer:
12:19:23
